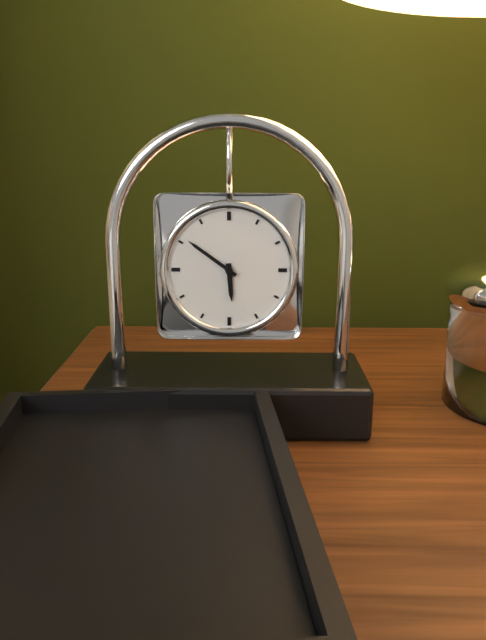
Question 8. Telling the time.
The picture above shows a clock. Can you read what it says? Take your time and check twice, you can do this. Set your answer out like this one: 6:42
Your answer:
5:51
